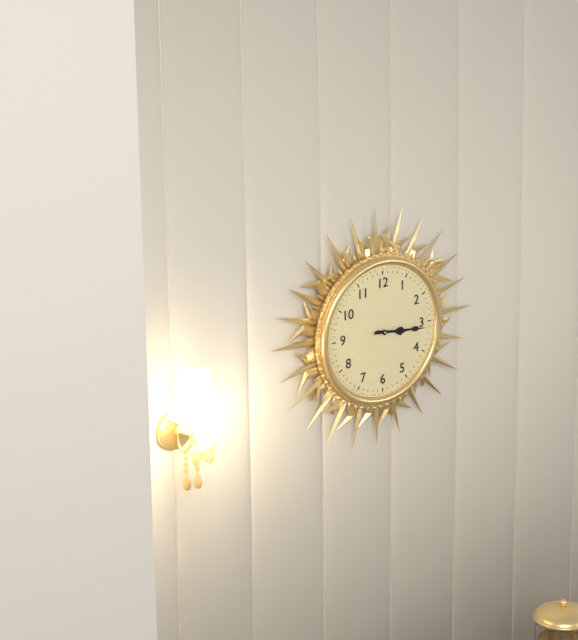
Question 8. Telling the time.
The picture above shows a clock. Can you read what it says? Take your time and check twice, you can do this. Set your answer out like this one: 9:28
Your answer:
3:16
